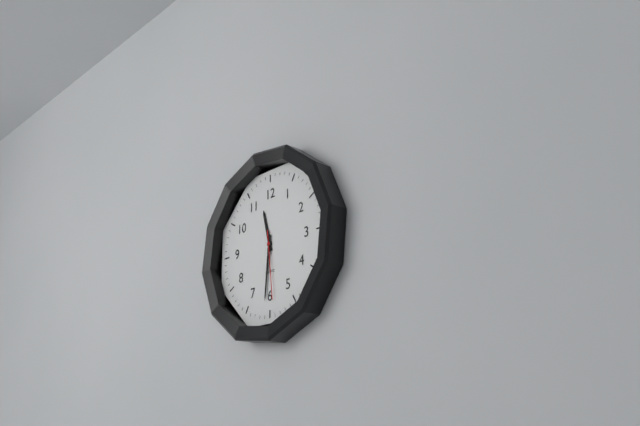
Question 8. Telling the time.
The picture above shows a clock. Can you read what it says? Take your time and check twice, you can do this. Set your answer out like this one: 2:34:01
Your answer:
11:31:29
